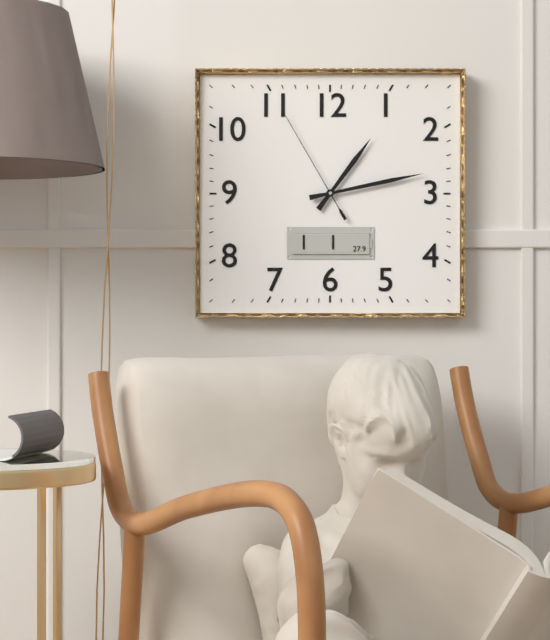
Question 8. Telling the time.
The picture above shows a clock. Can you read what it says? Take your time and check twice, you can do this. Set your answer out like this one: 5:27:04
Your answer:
1:13:55
